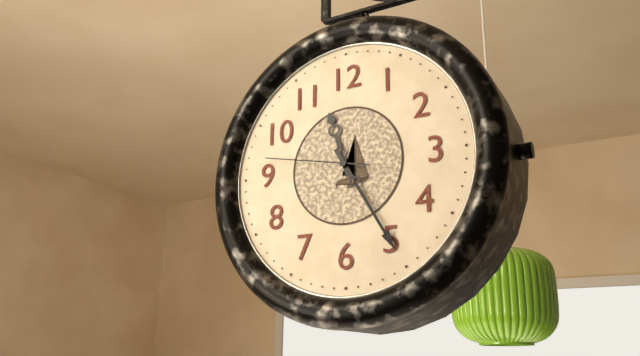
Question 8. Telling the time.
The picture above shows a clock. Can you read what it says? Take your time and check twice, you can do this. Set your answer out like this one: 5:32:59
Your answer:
11:25:47
